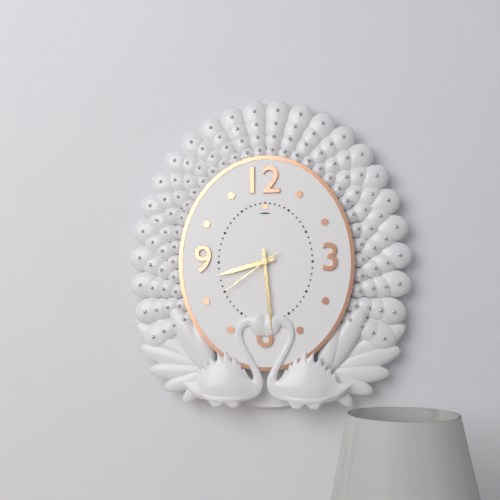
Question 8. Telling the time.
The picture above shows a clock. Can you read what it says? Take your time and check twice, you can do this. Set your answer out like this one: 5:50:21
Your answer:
8:29:39
